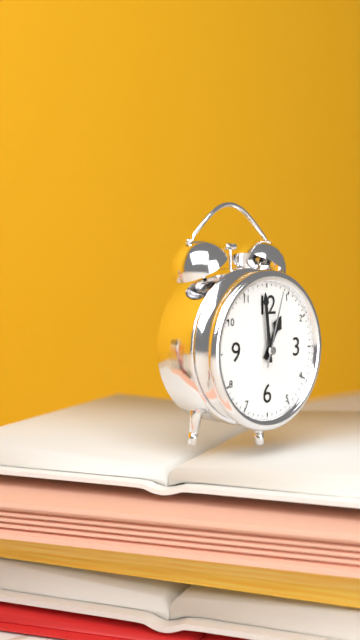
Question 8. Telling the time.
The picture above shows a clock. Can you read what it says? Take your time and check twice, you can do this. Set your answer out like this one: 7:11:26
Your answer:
12:59:03
